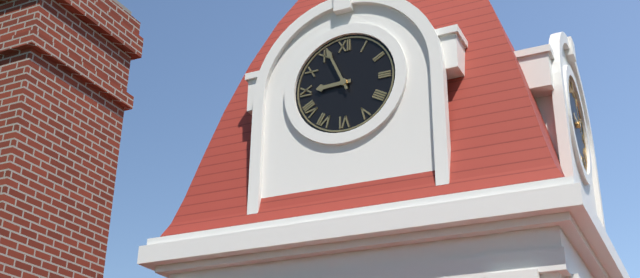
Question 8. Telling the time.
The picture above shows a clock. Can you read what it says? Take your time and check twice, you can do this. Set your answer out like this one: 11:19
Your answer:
8:56
